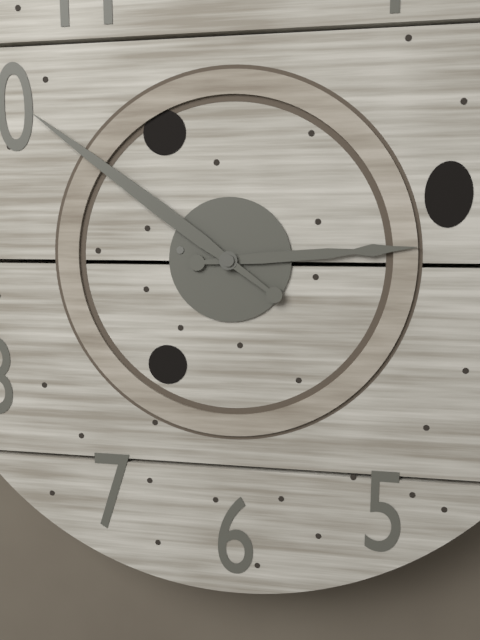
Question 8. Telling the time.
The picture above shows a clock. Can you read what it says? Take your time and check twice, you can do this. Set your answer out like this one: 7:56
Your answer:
2:51
